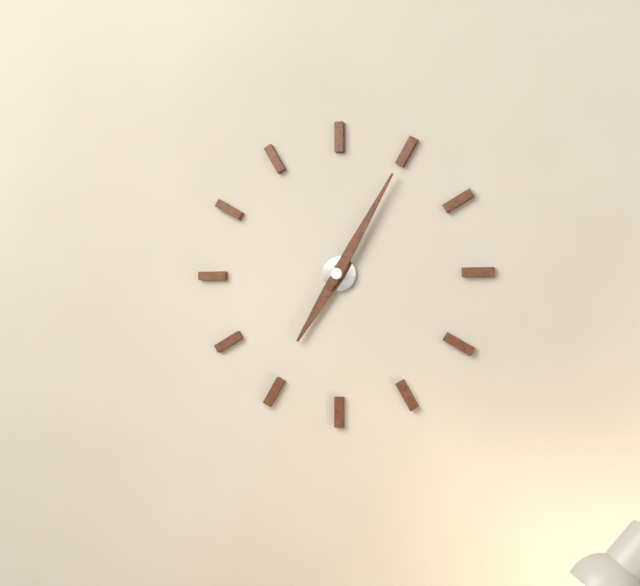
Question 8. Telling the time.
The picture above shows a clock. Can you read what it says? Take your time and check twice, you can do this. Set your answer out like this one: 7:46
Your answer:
7:05
